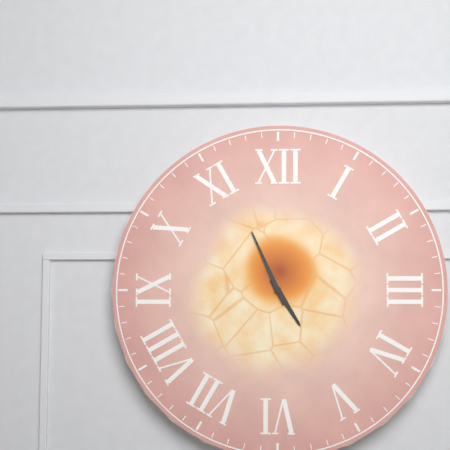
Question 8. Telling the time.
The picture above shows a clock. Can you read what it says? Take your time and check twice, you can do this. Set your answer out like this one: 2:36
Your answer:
4:56
